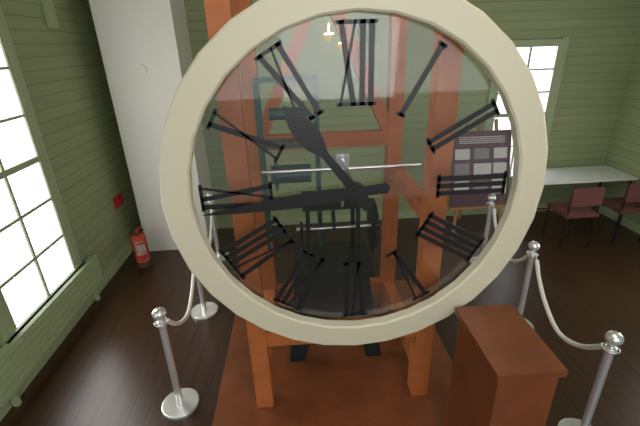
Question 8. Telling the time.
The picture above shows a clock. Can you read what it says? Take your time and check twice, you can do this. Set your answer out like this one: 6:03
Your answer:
10:44
